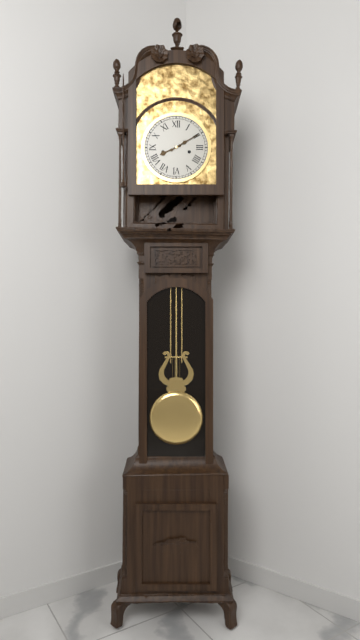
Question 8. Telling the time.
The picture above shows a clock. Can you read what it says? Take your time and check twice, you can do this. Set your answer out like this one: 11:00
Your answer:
8:10
